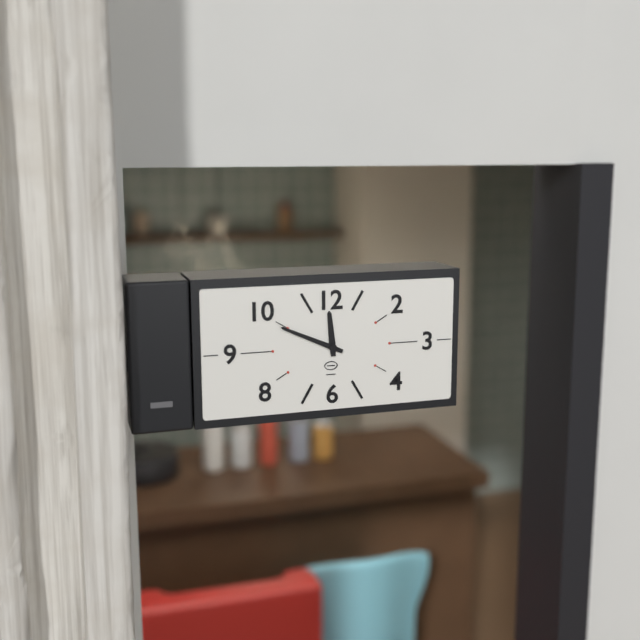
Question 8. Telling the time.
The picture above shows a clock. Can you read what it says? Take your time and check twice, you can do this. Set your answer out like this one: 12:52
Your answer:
11:49
